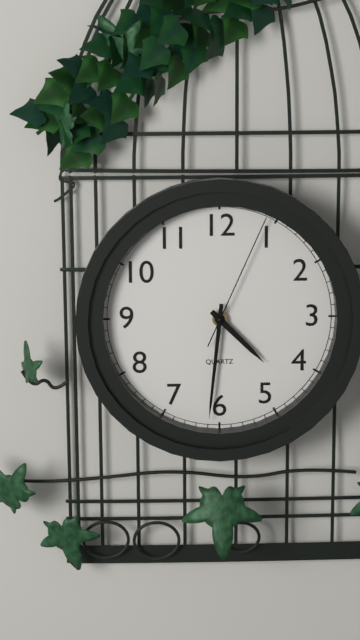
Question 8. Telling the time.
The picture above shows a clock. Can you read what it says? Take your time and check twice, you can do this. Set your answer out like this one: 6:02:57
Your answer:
4:31:04
